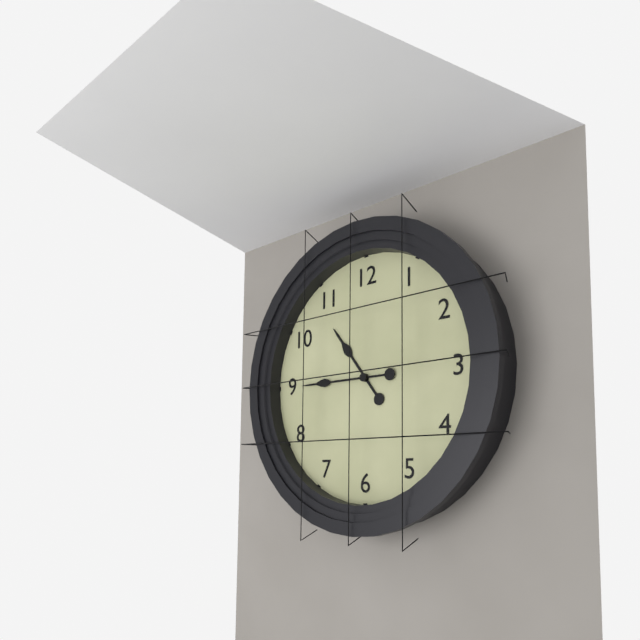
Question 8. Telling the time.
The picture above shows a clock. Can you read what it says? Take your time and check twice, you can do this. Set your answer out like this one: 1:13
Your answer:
10:45
